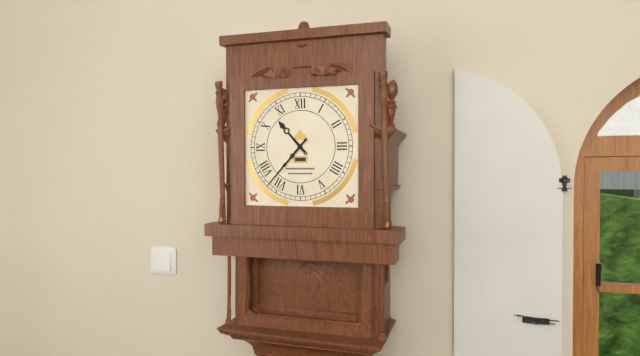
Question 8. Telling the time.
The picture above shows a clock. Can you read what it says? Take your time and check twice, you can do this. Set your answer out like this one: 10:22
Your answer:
10:37
